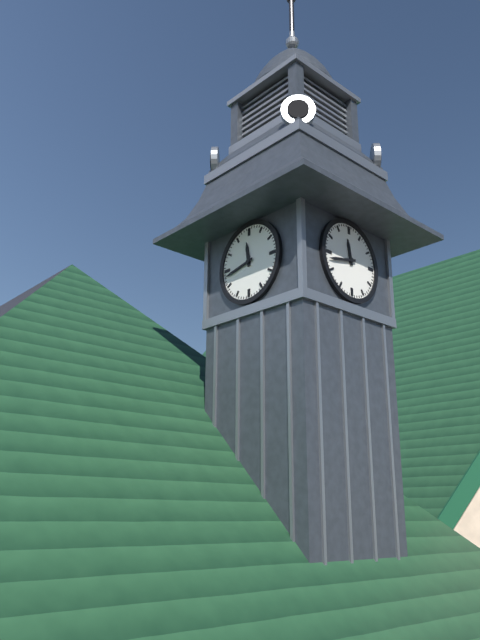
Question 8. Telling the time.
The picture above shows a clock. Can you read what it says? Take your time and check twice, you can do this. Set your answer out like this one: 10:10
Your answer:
11:43
